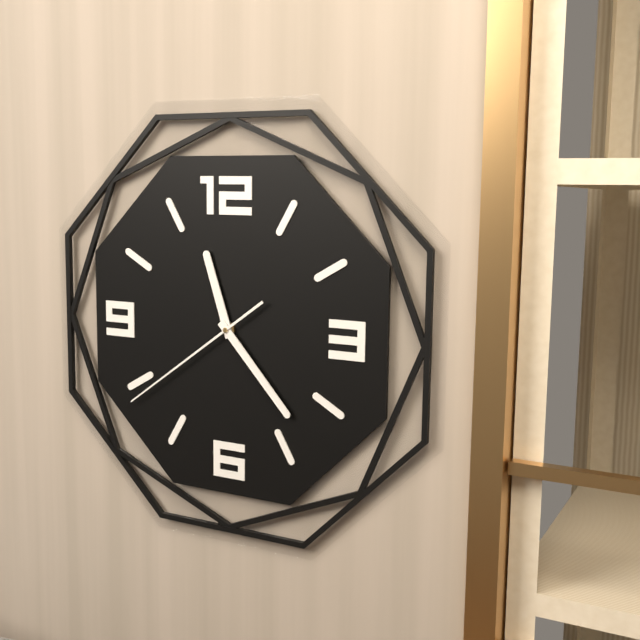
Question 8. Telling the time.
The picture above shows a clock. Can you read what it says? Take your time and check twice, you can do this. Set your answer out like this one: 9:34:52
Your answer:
11:23:39
